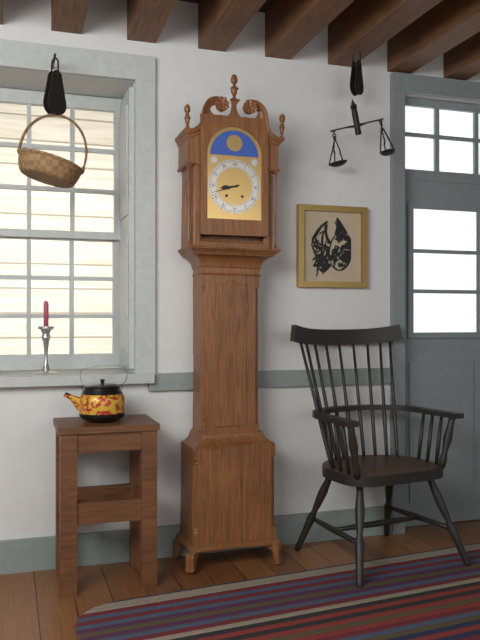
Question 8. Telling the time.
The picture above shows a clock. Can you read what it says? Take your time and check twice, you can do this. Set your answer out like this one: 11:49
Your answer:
8:42
